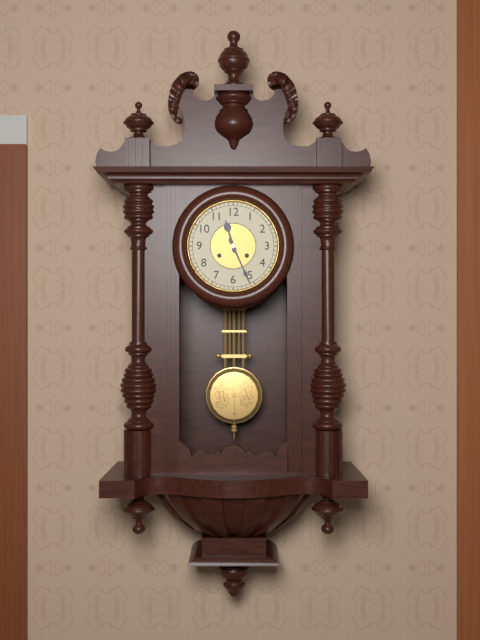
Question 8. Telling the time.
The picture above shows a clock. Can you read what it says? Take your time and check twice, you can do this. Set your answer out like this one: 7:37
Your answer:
11:26
